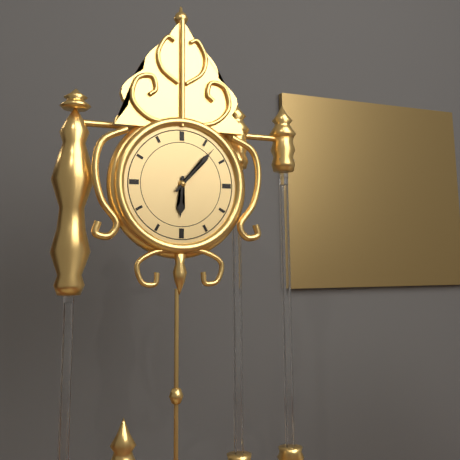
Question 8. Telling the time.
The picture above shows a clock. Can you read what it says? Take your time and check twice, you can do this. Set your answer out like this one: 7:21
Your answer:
6:07
